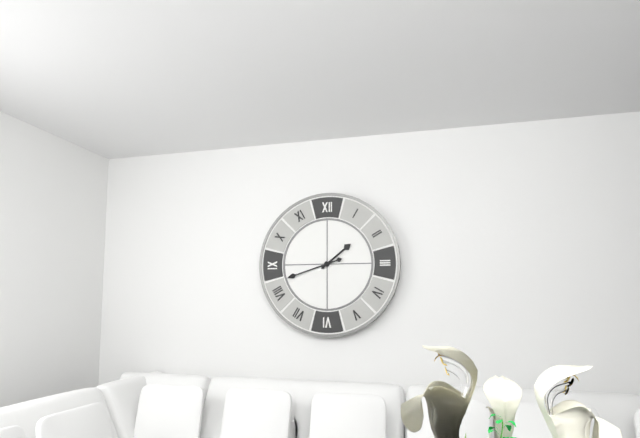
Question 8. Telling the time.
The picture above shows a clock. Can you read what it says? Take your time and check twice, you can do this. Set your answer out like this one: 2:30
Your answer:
1:42
